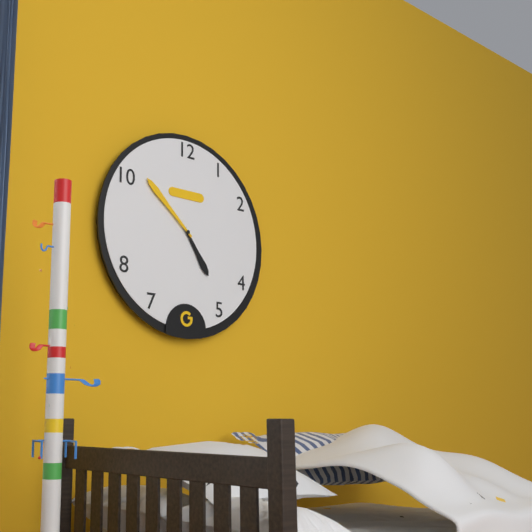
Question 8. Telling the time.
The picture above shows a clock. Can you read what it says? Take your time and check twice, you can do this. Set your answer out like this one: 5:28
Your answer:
4:52
